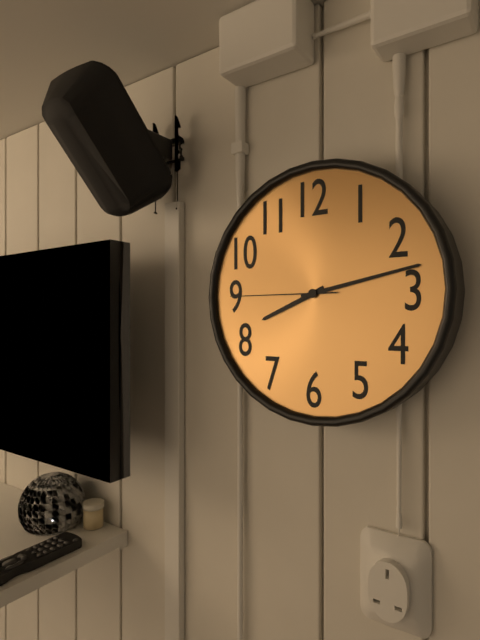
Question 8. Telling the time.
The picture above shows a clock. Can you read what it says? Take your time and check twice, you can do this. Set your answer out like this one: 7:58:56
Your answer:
8:13:45
